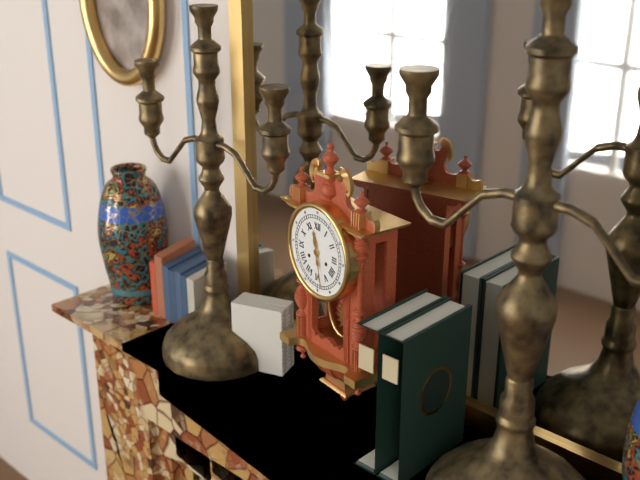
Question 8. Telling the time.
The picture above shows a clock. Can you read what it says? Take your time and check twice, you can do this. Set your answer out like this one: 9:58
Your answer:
11:28
